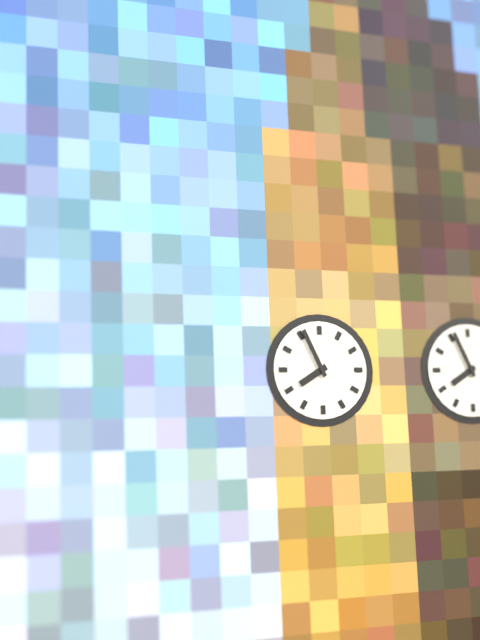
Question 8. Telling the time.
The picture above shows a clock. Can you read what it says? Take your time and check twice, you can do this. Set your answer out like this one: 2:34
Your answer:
7:56
